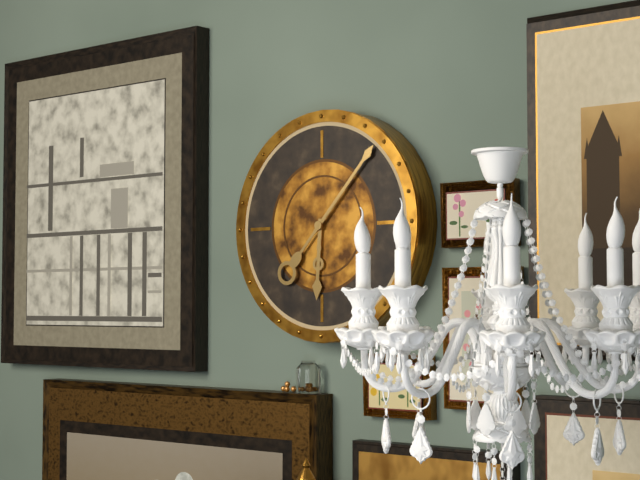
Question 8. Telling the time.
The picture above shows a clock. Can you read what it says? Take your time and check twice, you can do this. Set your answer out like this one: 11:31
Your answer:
6:07
